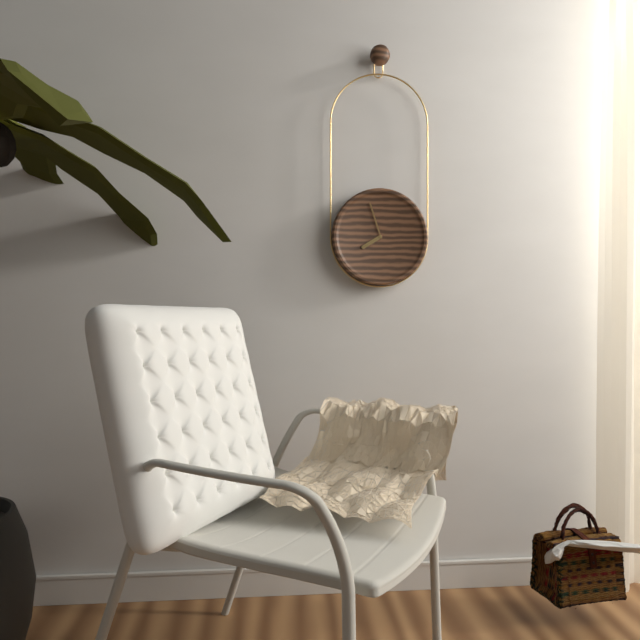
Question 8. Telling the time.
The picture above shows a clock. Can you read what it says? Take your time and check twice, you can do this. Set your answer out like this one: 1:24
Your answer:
7:57
